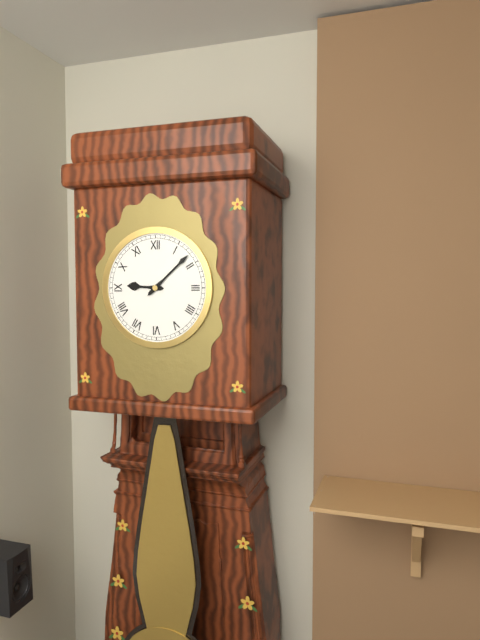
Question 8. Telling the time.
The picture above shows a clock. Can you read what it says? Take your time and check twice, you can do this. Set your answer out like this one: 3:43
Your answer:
9:08
